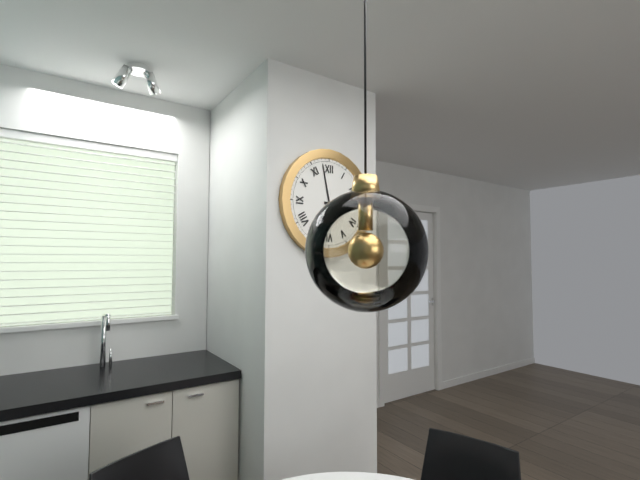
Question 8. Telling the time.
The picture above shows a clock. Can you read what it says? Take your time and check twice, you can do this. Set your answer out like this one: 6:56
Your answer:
2:58
